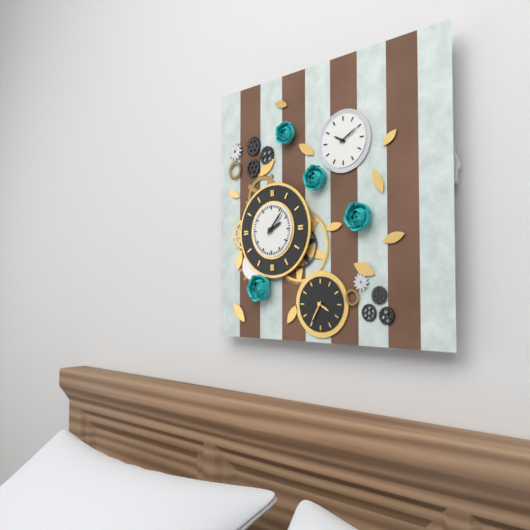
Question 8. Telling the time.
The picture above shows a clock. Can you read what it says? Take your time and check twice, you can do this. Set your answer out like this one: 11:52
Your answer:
2:07
